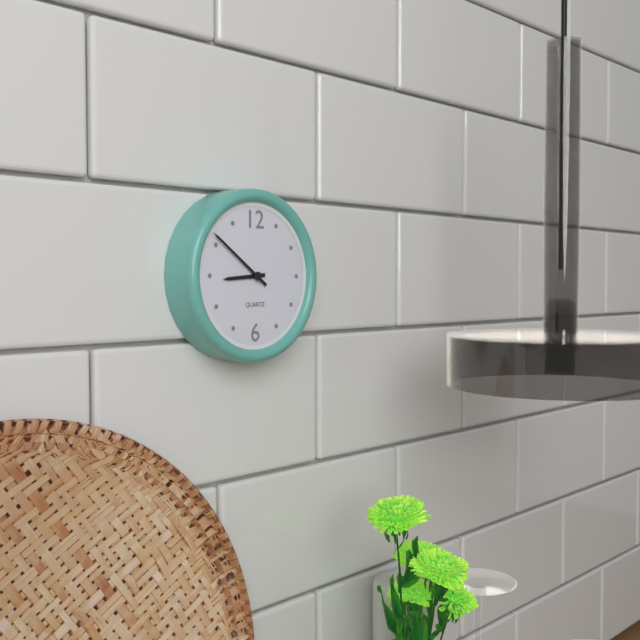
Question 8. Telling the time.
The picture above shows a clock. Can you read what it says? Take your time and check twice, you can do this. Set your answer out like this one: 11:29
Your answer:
8:51
